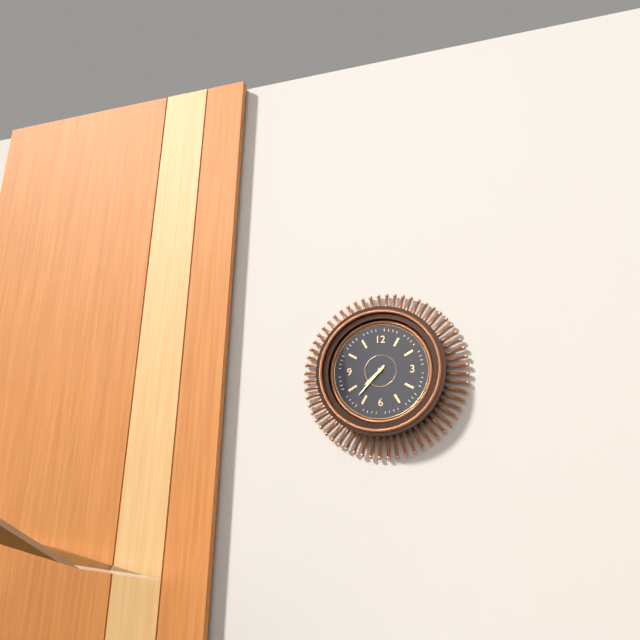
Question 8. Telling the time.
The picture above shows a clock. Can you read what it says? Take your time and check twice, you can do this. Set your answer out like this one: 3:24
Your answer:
7:37
